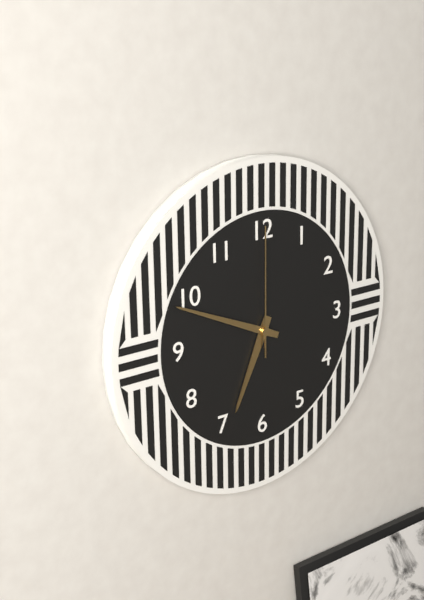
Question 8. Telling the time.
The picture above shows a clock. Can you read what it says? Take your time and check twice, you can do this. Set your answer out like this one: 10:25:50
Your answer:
6:49:00
